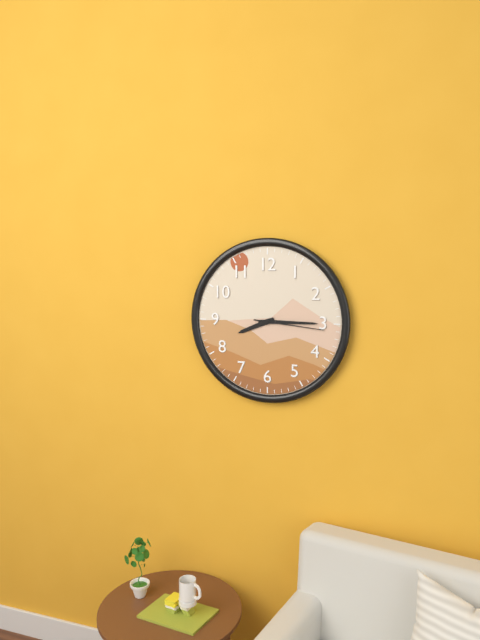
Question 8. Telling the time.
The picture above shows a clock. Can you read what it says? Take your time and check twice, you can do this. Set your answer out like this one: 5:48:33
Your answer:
8:15:16
